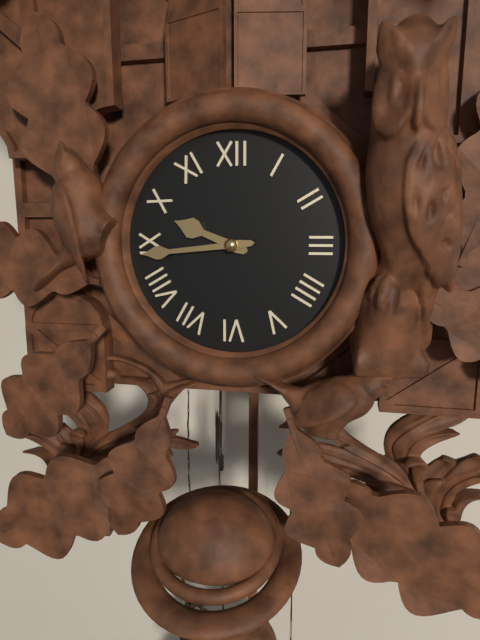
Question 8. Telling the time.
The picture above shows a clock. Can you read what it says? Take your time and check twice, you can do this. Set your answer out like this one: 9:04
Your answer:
9:44
